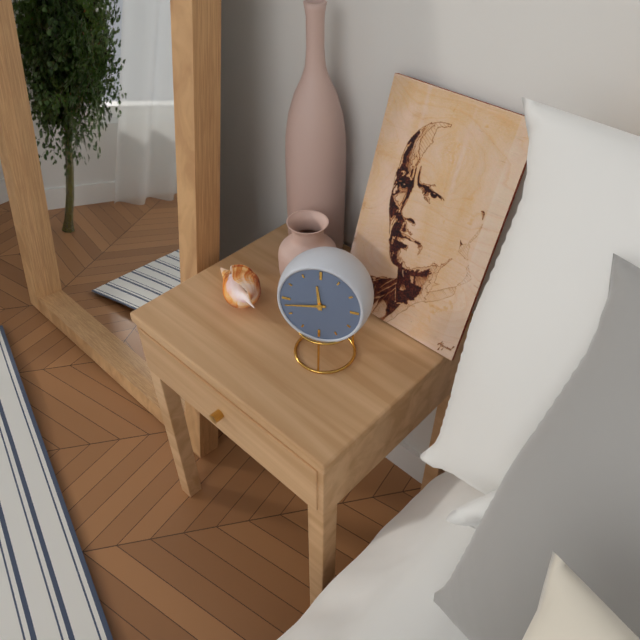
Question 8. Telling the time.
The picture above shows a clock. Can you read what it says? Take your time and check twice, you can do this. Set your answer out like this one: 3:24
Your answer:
11:43
